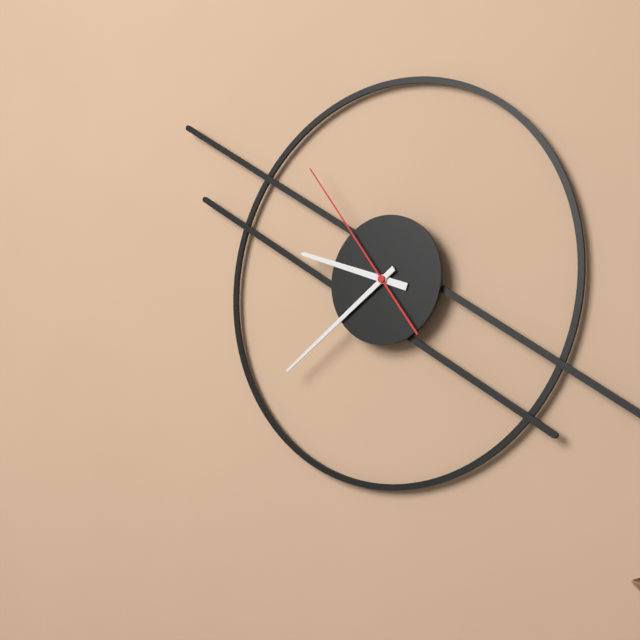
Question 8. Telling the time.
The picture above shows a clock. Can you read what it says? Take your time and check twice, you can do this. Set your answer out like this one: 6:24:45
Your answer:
9:39:54
